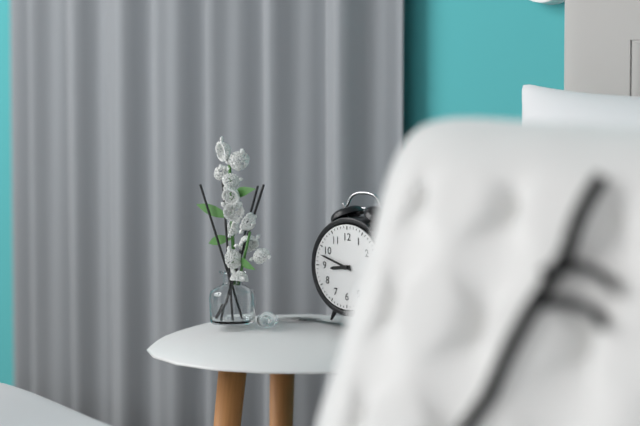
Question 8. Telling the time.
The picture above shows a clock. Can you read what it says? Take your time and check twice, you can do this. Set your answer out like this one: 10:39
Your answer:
8:48
